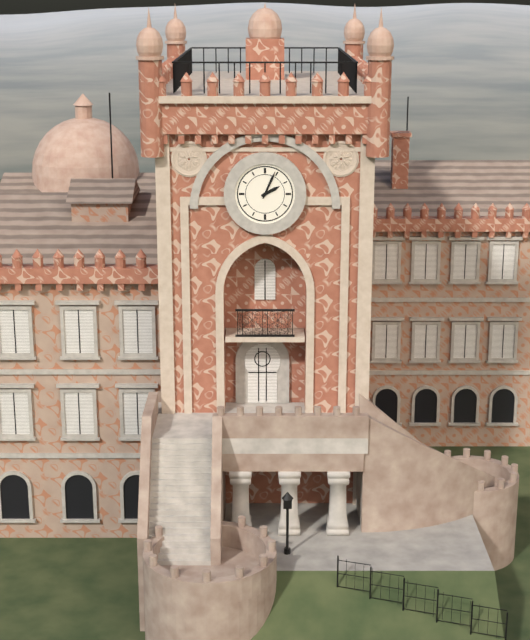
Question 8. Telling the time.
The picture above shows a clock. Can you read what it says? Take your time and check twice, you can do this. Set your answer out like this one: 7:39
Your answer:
2:04
